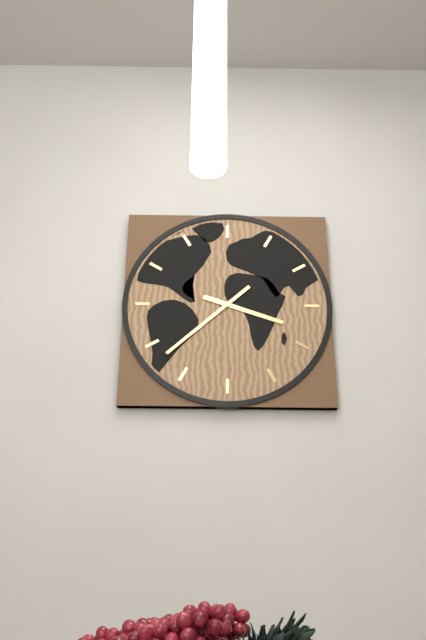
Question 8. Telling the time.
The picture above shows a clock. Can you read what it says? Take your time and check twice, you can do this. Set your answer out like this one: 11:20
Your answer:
3:38
